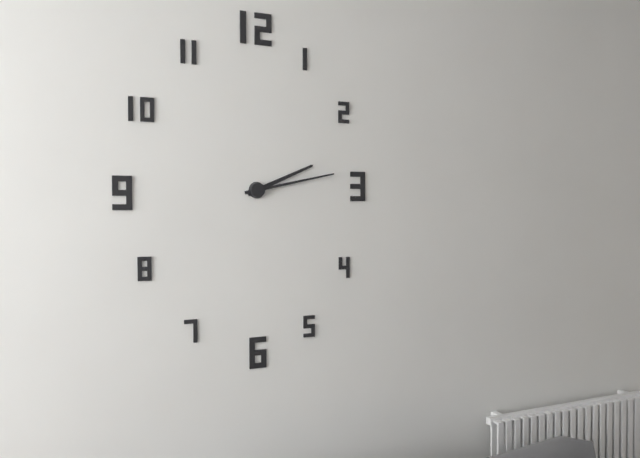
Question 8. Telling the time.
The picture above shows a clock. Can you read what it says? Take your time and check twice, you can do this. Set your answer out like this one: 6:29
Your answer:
2:13
